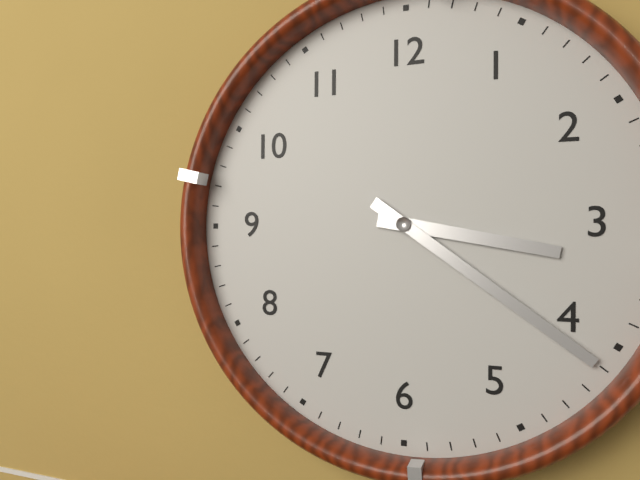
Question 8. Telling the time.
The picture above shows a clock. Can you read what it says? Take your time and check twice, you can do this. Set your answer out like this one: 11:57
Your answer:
3:21
